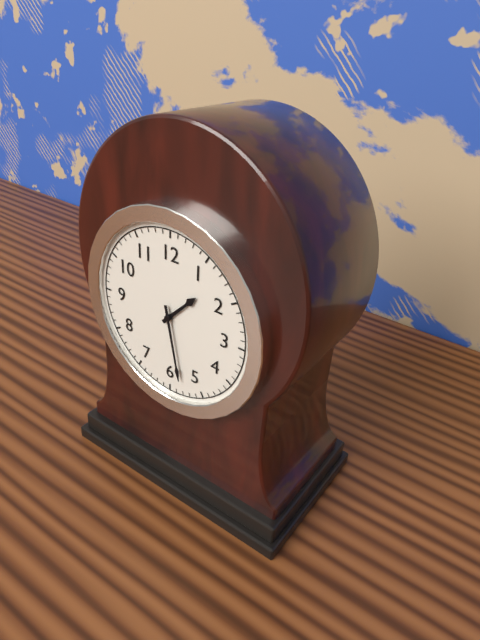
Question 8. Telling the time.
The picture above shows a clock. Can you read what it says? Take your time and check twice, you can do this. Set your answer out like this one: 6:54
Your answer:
1:28
